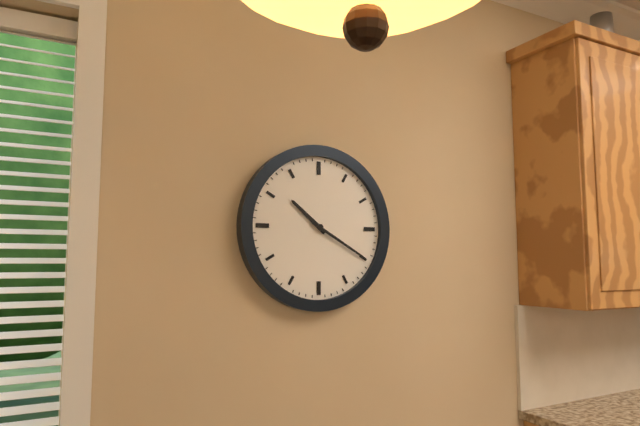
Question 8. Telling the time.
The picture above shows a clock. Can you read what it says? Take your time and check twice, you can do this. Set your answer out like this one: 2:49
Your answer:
10:20
